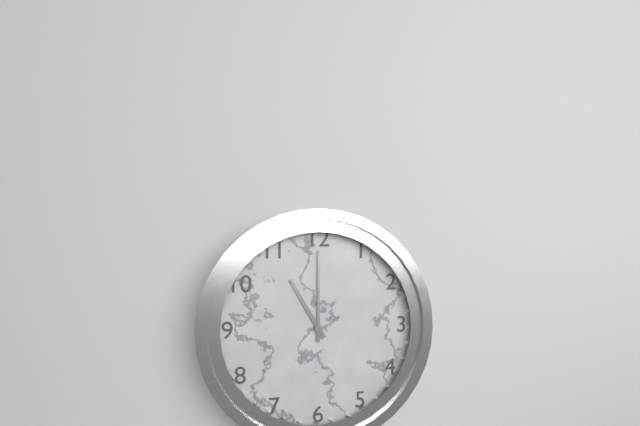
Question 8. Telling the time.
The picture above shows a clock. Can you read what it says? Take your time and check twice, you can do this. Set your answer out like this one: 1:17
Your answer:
11:00
